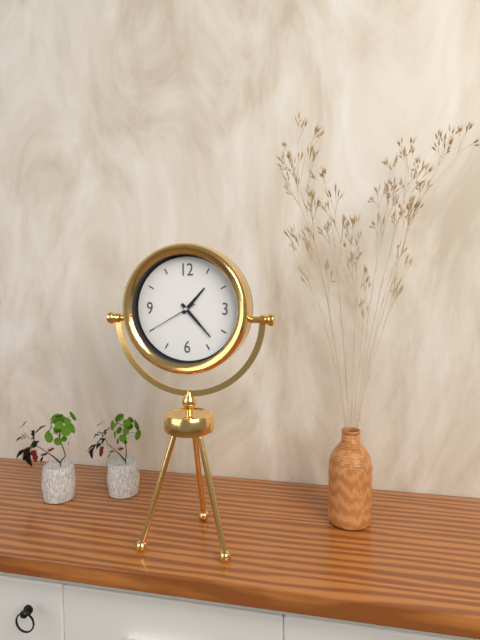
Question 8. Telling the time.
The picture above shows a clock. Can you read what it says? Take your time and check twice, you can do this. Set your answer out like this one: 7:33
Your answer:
1:23
